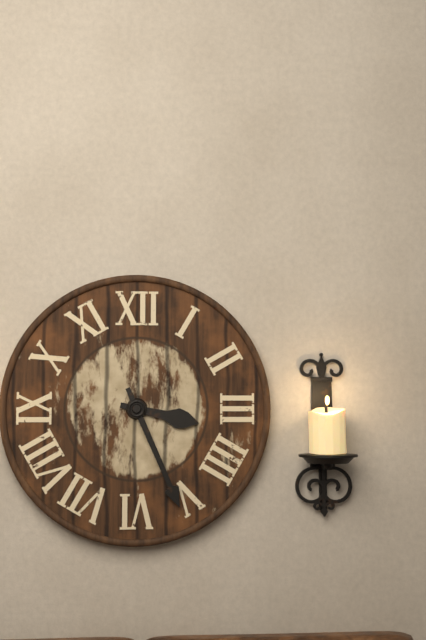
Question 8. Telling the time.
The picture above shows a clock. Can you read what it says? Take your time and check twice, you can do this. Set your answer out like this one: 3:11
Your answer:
3:26
